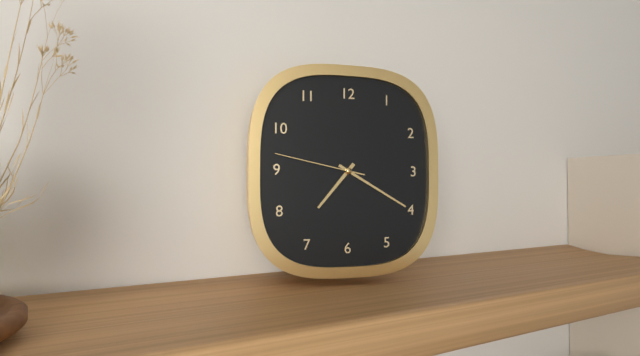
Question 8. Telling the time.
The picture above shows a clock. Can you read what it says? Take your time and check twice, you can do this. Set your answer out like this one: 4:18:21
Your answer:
7:20:47
